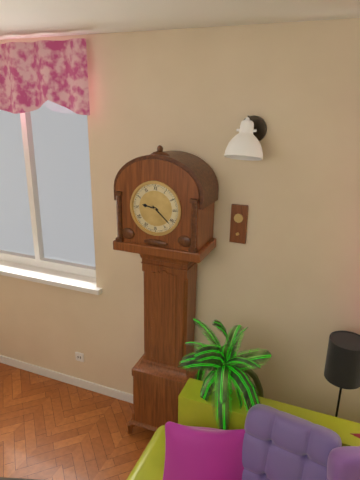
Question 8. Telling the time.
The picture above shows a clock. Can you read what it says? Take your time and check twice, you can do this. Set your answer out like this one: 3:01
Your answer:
9:22
